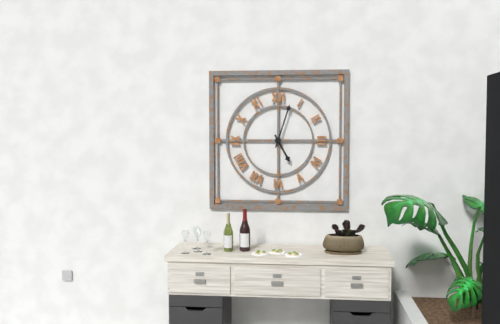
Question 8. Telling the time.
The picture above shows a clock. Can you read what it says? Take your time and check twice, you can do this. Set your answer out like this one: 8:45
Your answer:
5:03
